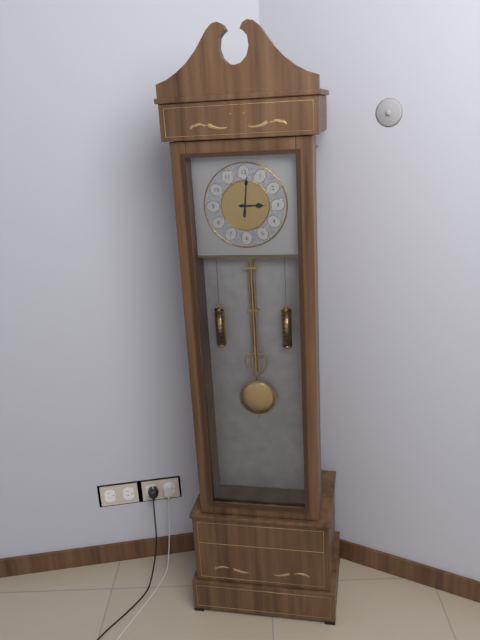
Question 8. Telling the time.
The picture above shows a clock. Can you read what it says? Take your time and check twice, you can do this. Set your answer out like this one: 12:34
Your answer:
3:01
